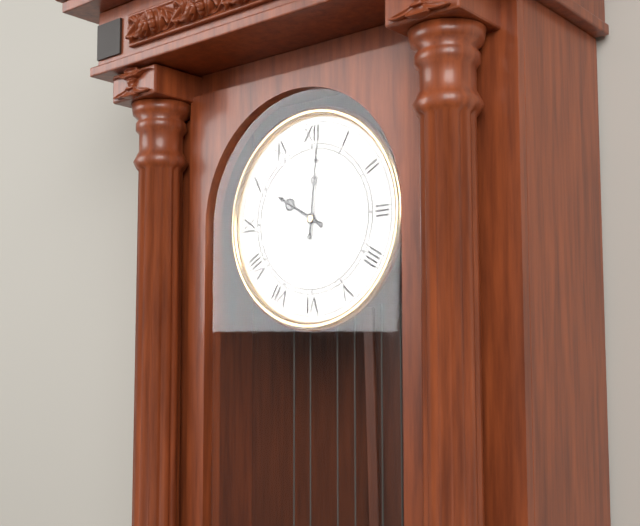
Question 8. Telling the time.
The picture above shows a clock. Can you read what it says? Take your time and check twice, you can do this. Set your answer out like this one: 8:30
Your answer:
10:01
